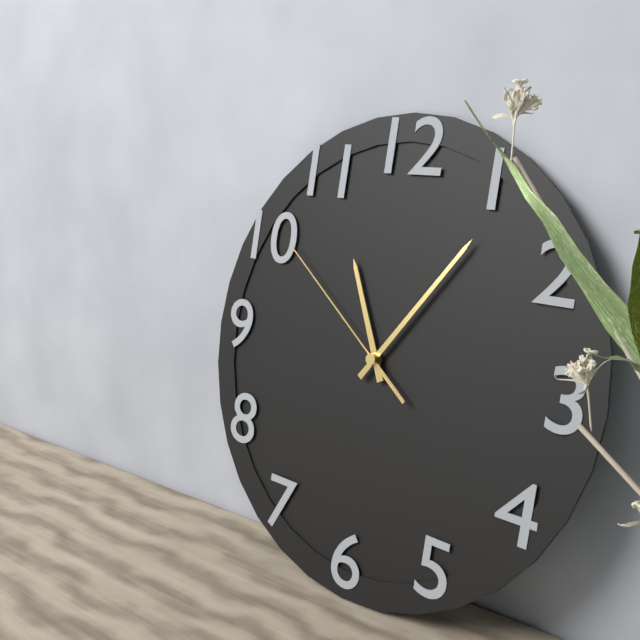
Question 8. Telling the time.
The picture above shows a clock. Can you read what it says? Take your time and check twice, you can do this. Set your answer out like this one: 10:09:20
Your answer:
11:06:51
